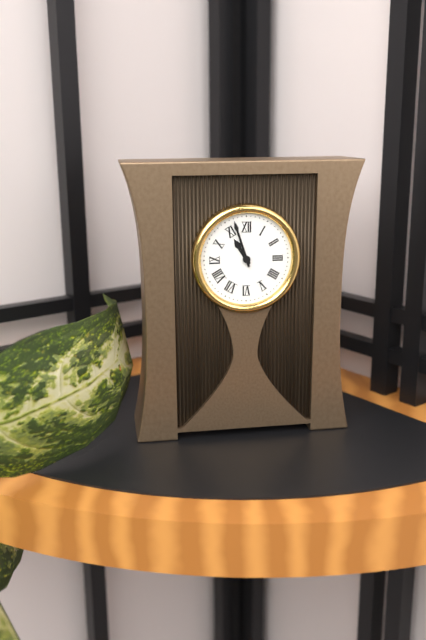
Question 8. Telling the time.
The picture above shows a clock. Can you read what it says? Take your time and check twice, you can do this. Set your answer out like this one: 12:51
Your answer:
10:57
